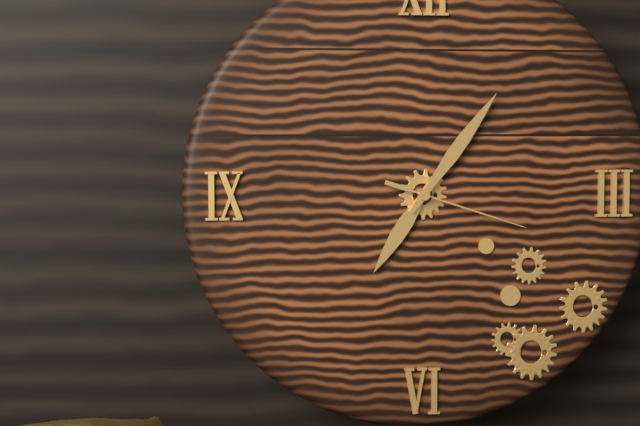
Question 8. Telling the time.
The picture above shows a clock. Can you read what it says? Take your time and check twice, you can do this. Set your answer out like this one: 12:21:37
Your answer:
7:06:18
